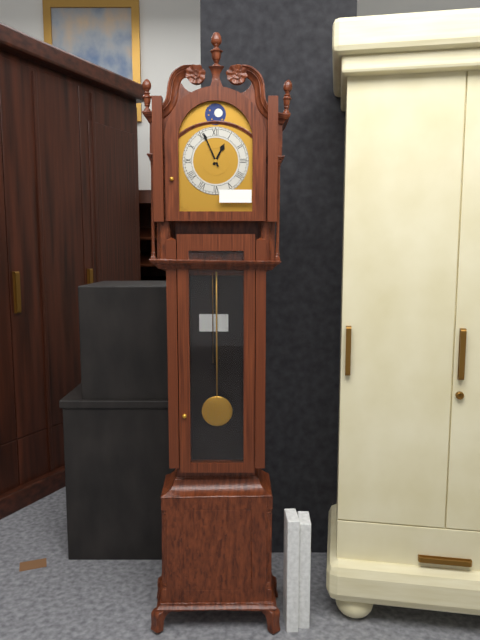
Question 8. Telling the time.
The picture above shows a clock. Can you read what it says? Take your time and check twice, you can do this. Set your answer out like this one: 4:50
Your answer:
12:56
